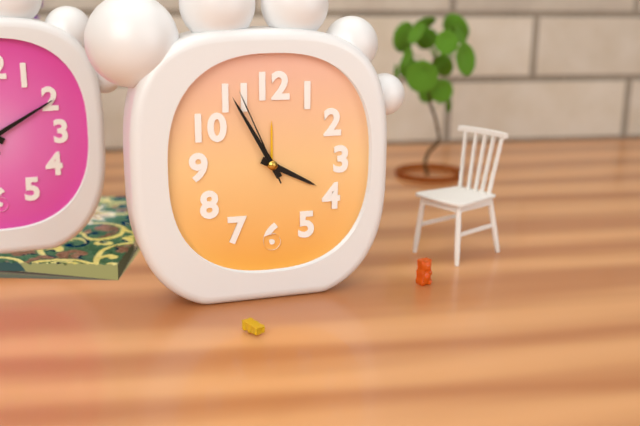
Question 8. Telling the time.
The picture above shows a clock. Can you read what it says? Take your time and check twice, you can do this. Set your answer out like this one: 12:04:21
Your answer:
3:55:56
